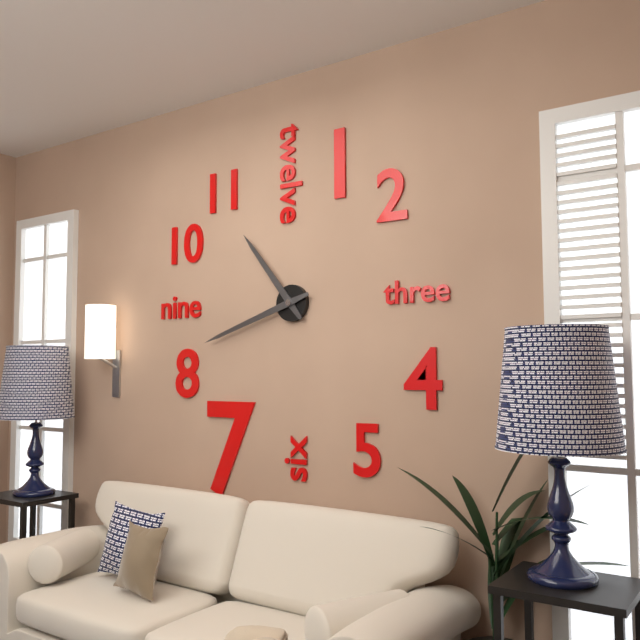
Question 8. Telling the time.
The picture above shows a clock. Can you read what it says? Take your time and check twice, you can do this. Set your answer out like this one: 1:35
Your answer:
10:42
